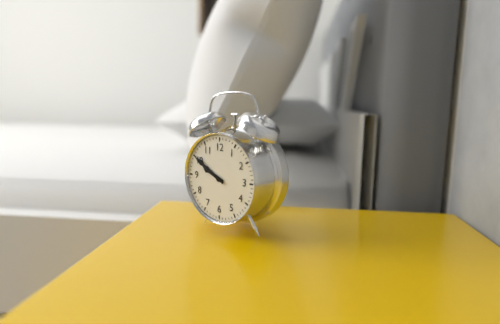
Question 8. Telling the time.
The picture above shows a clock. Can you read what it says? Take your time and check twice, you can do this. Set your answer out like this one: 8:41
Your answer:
9:50
